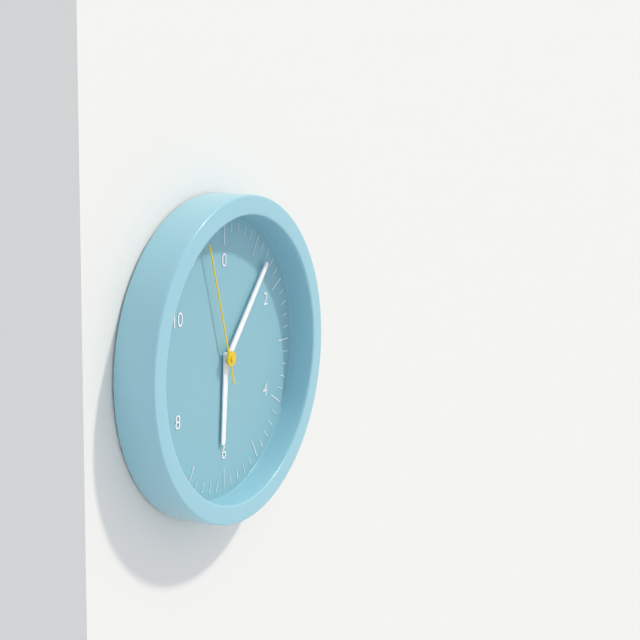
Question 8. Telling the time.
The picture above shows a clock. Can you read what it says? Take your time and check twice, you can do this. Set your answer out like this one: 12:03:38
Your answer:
6:07:57
